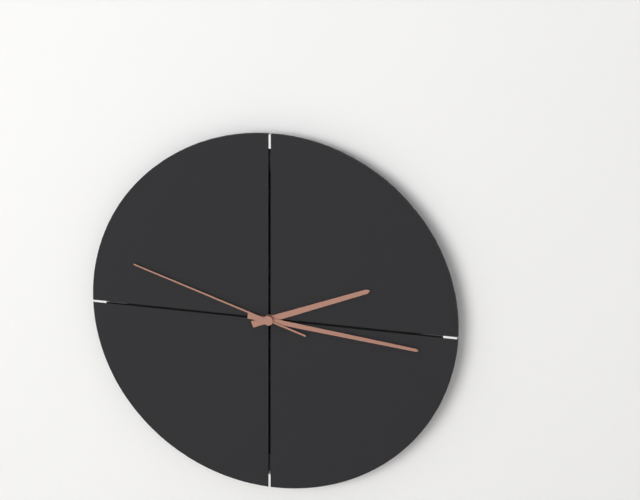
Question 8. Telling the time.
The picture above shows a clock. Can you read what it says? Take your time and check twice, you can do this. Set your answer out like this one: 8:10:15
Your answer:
2:16:48
